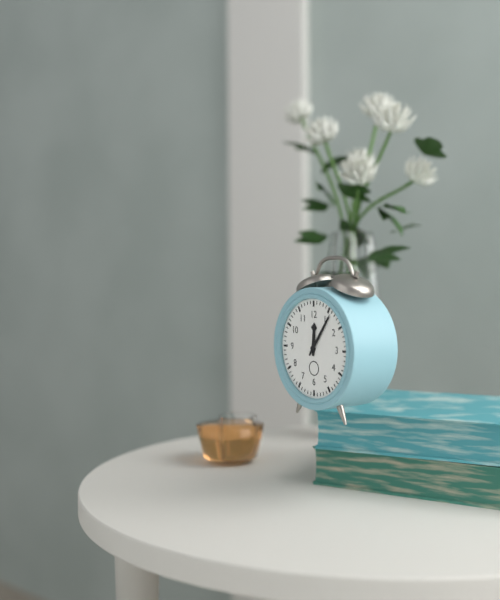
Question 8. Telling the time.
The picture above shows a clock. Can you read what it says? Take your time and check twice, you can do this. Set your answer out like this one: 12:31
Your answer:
12:06
